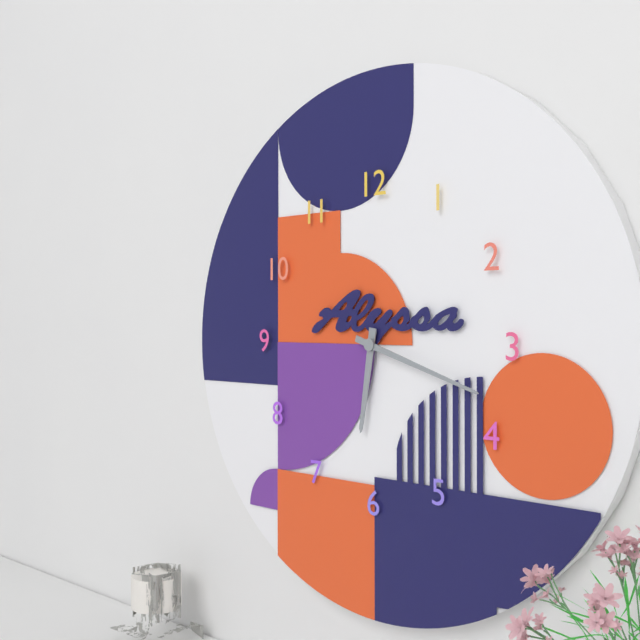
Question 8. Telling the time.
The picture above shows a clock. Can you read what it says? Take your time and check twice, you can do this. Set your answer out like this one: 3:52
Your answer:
6:18
